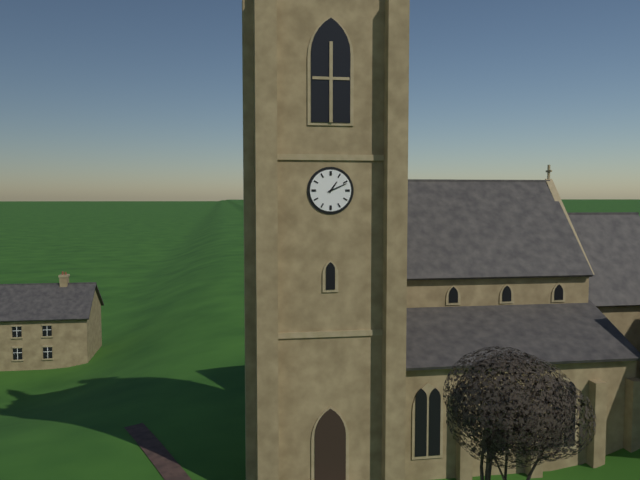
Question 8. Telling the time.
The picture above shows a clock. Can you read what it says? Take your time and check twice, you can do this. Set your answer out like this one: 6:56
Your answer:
1:11
